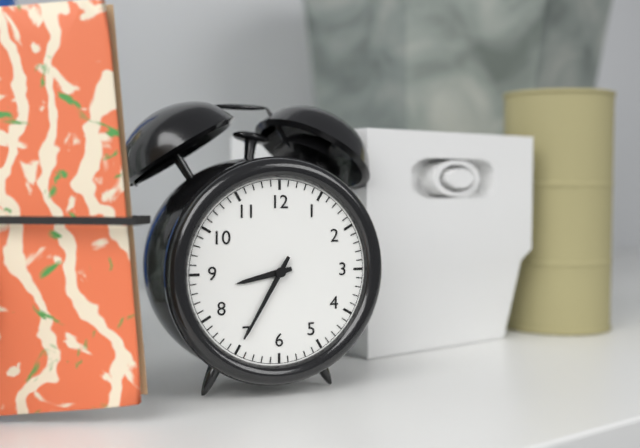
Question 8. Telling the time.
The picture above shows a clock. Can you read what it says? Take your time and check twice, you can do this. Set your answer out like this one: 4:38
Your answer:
8:35
